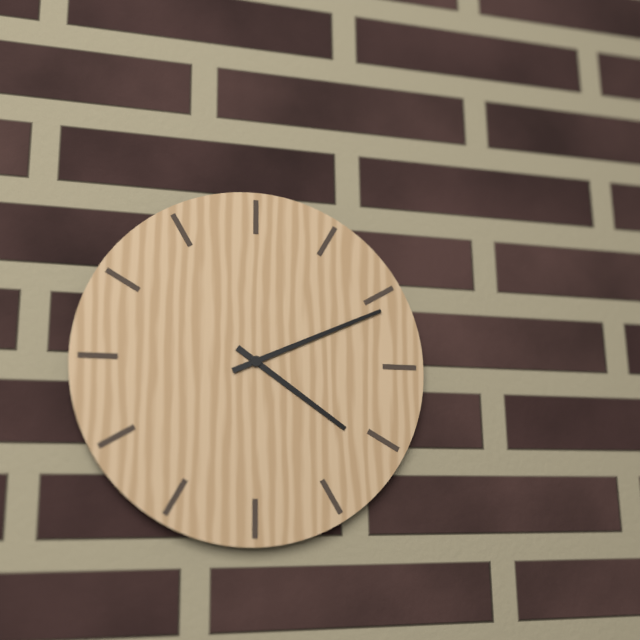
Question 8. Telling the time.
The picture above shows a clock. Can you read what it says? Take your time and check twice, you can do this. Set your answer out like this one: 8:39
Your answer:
4:11
